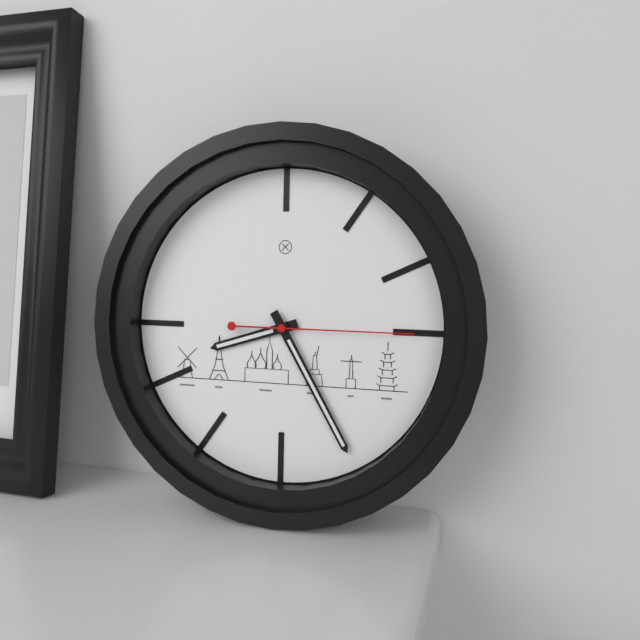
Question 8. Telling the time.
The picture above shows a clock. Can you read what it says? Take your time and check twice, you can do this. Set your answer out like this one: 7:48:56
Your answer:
8:25:15
